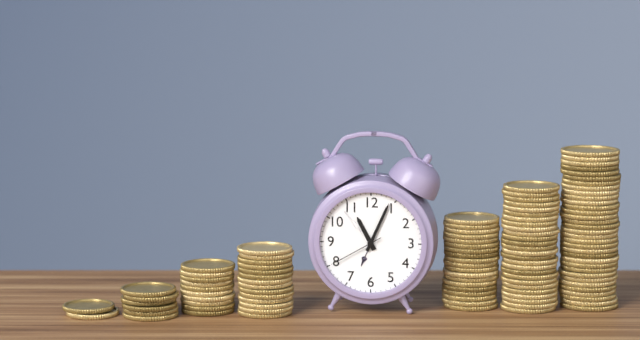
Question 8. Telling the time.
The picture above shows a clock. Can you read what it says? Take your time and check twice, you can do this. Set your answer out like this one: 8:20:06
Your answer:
11:04:40
